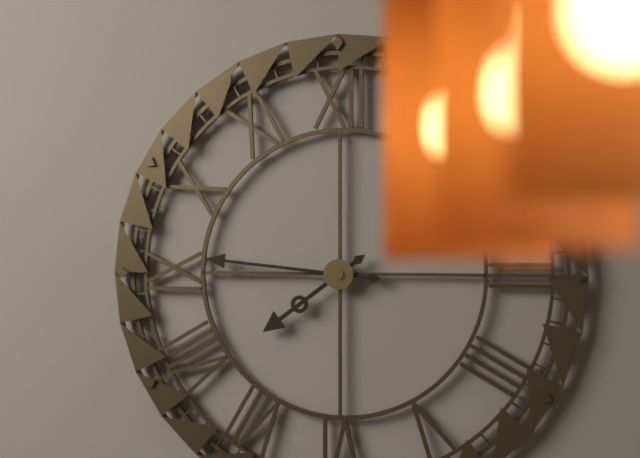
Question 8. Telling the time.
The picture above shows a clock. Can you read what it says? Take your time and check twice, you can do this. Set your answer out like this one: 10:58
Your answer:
7:46
